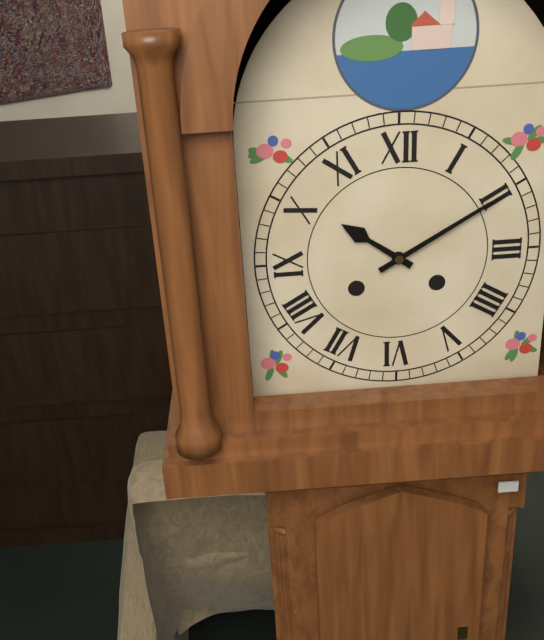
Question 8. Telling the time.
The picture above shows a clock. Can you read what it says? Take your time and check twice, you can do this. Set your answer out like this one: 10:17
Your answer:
10:10
